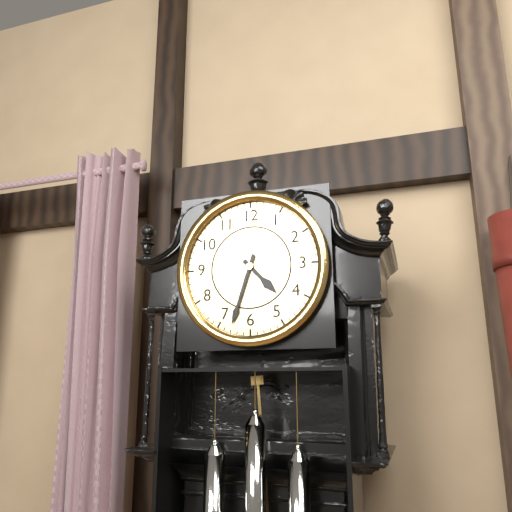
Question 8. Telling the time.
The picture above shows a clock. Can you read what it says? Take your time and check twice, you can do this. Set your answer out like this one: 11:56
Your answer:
4:33
